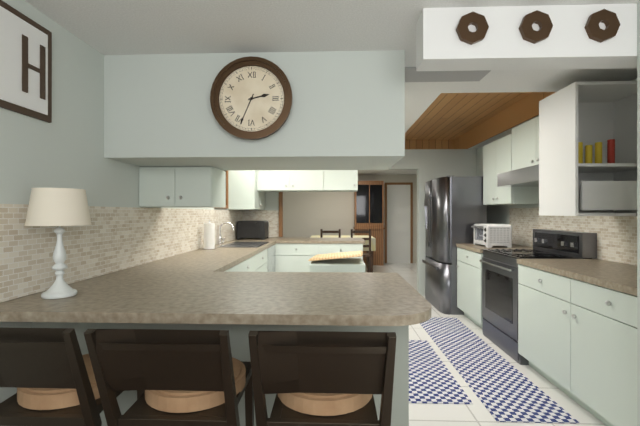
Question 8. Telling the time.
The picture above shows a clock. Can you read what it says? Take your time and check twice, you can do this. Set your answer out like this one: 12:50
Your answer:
2:34
